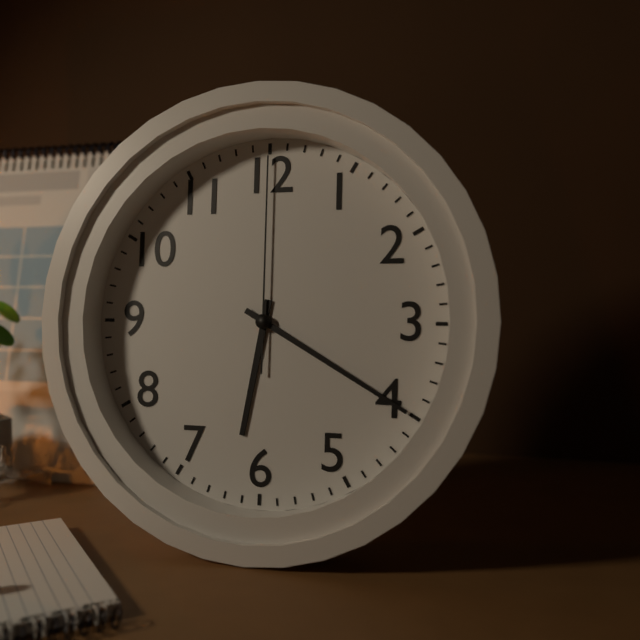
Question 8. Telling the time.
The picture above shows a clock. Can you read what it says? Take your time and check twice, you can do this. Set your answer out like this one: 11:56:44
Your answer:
6:20:00
